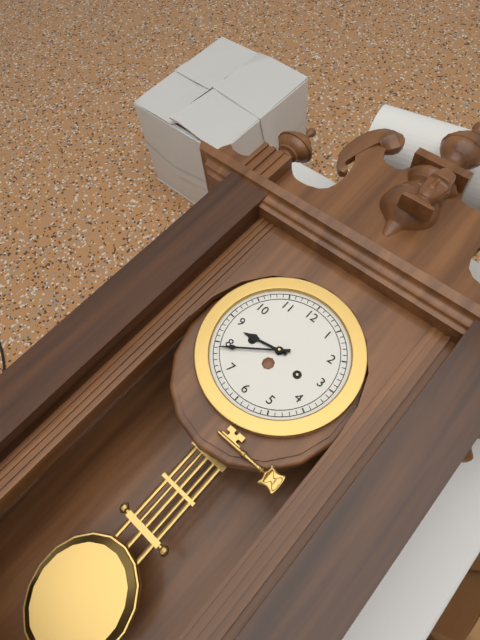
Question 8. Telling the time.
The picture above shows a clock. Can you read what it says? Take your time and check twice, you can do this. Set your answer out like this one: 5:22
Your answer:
8:39
